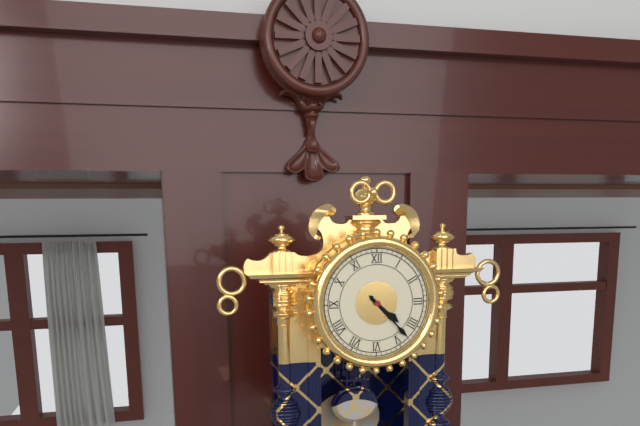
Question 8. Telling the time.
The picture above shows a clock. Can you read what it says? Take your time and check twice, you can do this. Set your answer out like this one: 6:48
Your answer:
4:23
